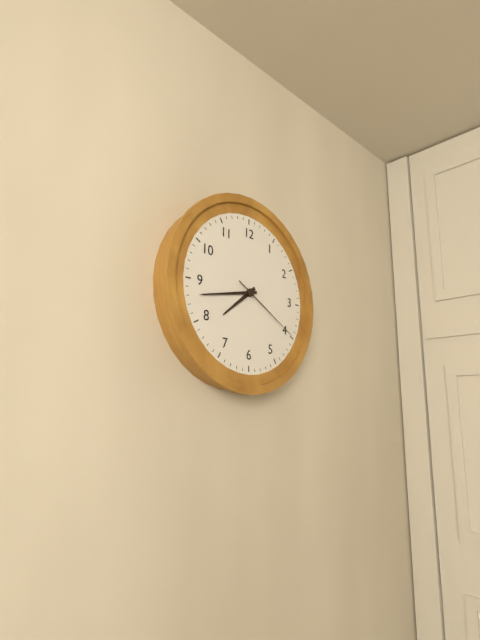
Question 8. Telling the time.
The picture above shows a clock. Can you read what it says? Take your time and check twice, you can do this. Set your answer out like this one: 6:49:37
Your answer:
7:43:20
